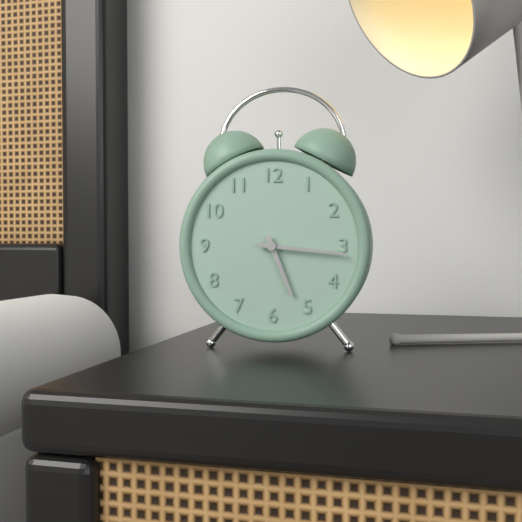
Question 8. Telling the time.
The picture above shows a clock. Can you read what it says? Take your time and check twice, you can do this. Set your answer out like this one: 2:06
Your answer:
5:16
